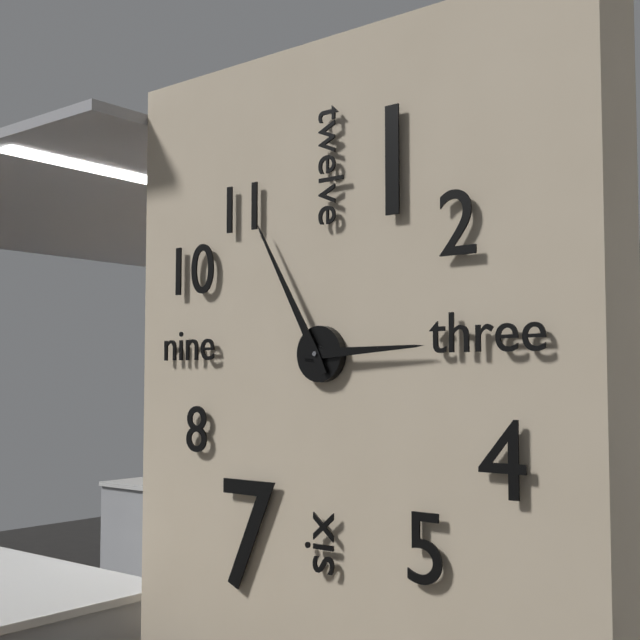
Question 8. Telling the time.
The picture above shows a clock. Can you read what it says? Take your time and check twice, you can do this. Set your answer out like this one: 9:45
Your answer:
2:55
